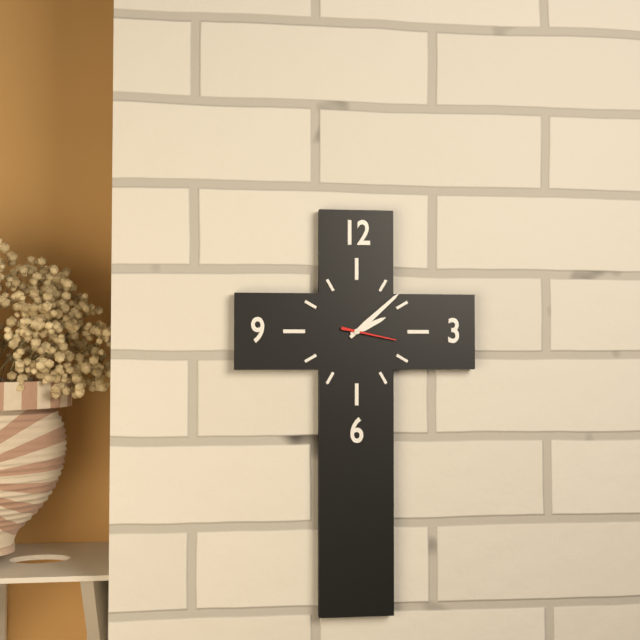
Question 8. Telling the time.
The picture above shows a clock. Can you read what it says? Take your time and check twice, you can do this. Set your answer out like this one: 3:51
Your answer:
2:08
